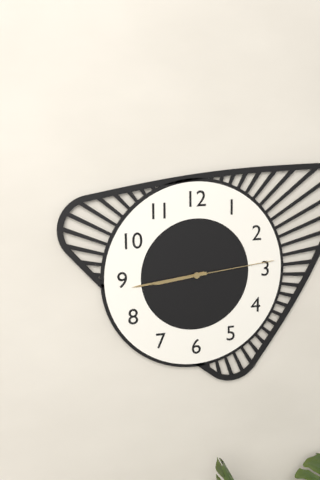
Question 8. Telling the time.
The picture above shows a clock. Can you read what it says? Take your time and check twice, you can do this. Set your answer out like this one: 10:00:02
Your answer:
8:44:14
